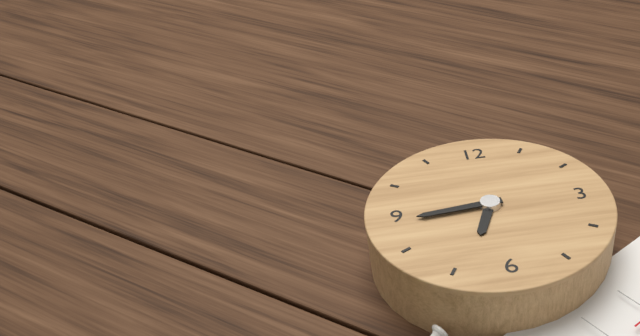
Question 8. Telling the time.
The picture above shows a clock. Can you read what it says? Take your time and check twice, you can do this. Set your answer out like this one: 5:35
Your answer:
6:44
